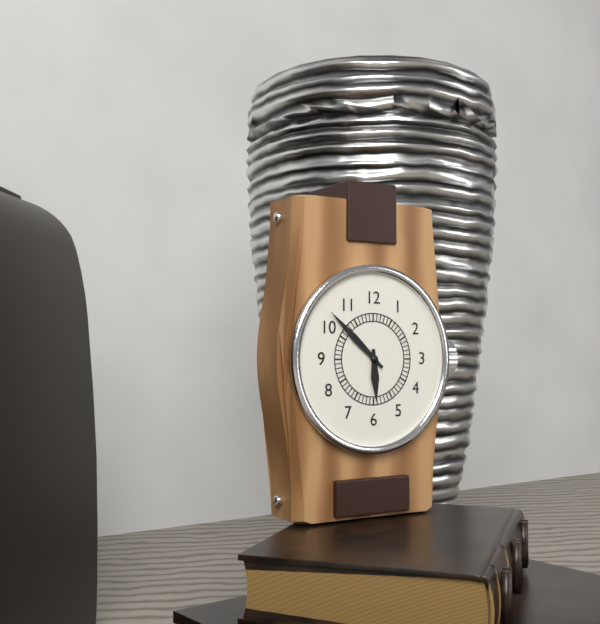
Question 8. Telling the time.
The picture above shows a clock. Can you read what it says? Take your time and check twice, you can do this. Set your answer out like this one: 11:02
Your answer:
5:52
